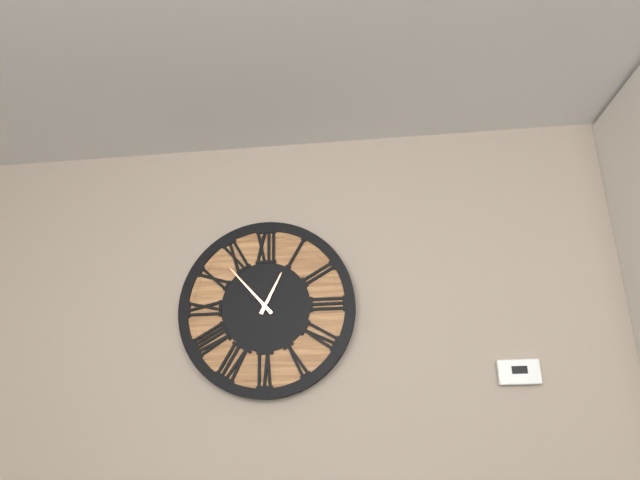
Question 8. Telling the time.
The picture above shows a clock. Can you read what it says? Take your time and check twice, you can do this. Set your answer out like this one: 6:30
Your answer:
12:53
